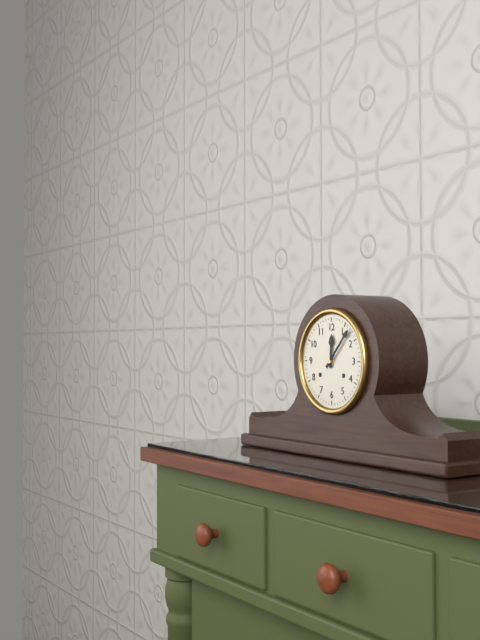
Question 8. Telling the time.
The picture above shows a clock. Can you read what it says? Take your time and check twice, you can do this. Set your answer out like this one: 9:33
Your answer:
12:07
